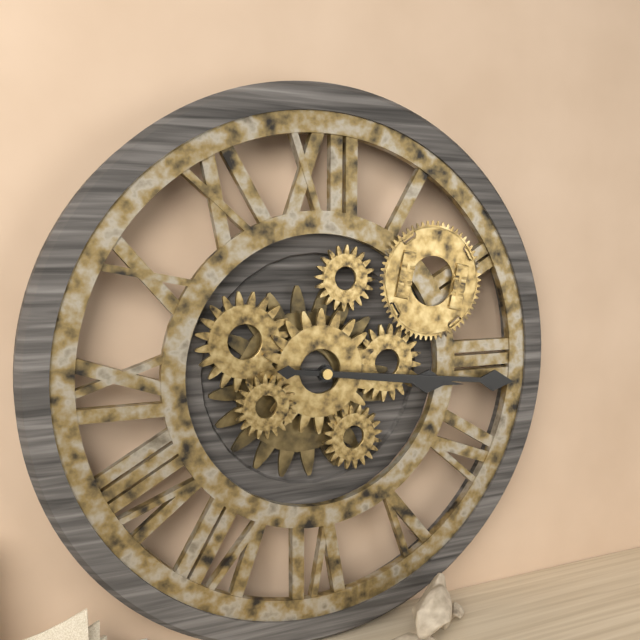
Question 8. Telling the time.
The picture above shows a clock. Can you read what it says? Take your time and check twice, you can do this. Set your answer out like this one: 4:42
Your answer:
3:16
